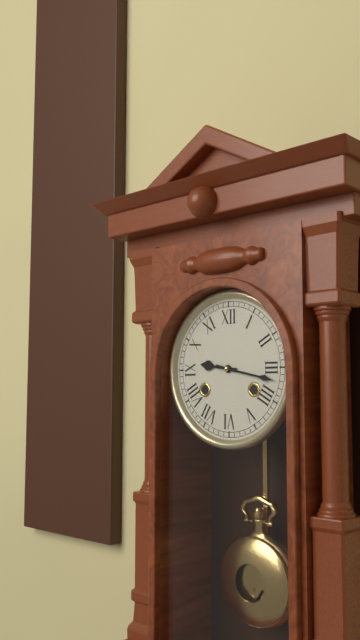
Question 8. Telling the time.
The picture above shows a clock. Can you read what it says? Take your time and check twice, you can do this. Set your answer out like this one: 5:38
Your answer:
9:17
